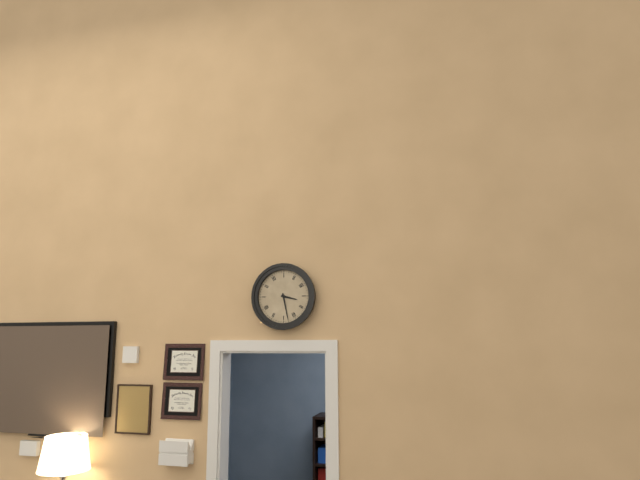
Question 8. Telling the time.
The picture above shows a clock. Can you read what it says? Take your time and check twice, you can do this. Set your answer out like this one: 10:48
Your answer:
3:28
